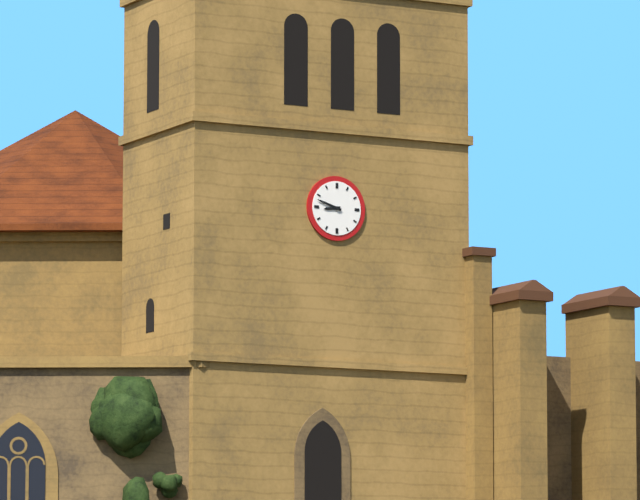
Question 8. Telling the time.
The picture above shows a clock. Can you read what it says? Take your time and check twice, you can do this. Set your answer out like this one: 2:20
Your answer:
8:48
